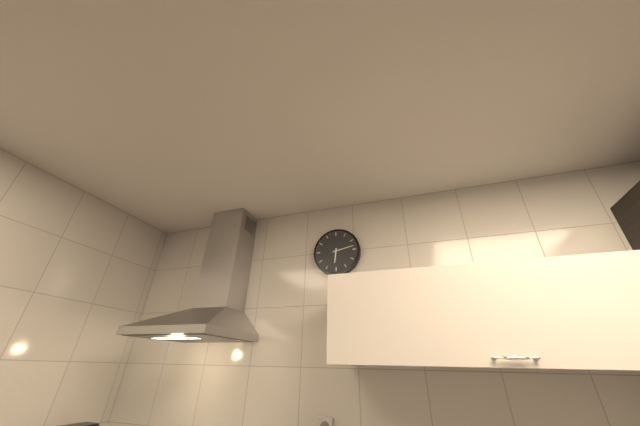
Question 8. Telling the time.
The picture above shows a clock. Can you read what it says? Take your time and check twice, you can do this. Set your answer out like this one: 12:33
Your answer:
6:13
